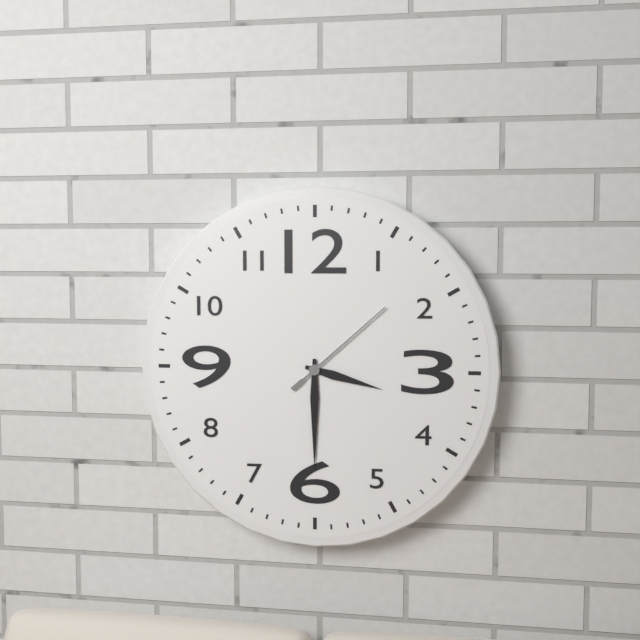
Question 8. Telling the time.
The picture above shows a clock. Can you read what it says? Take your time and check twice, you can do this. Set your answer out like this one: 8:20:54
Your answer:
3:30:08
